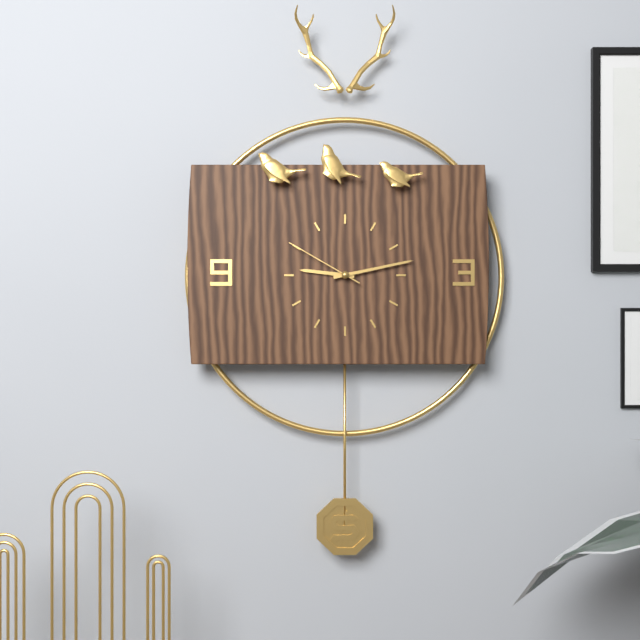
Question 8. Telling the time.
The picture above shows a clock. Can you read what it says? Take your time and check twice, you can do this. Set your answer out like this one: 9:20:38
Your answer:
9:13:50
